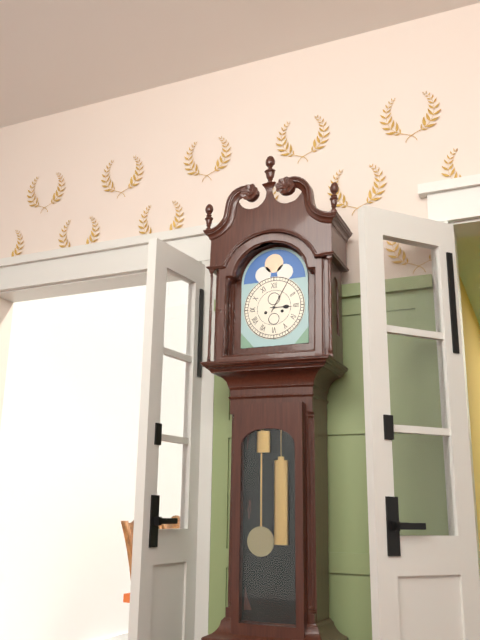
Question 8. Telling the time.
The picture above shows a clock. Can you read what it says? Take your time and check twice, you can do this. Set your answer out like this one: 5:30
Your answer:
3:05
